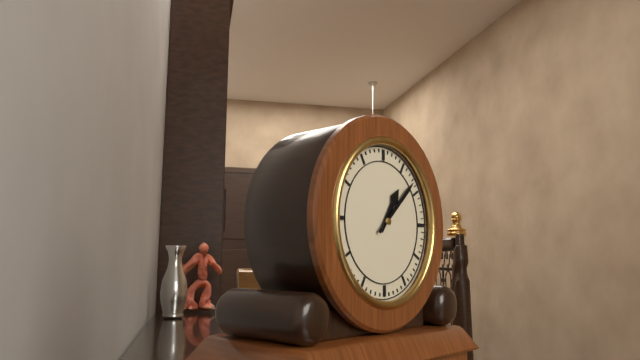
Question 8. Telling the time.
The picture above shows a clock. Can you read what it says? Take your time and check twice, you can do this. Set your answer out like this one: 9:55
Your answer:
1:08
